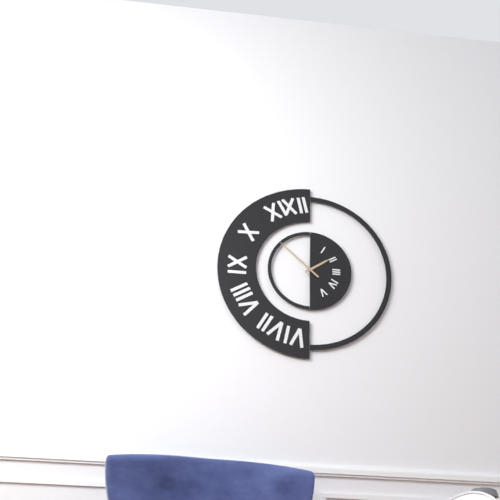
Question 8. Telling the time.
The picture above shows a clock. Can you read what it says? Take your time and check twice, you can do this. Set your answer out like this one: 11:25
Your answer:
1:52
